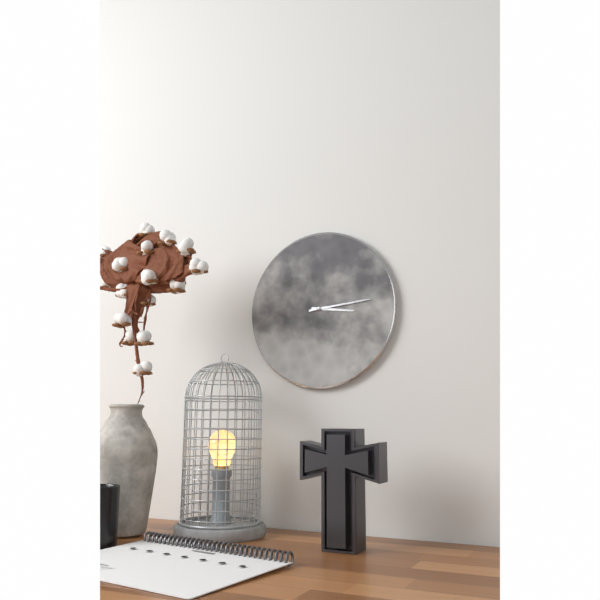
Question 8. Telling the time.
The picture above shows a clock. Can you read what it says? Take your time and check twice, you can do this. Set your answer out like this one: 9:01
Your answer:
3:14
